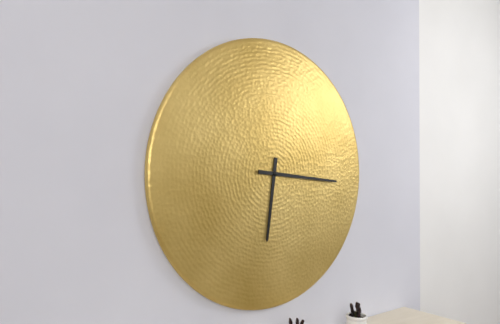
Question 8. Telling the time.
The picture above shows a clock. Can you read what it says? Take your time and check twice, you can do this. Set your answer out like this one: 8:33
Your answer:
6:16
